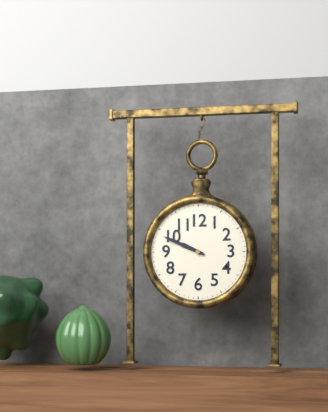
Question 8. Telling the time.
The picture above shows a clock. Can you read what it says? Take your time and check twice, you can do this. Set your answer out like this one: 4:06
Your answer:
9:49
